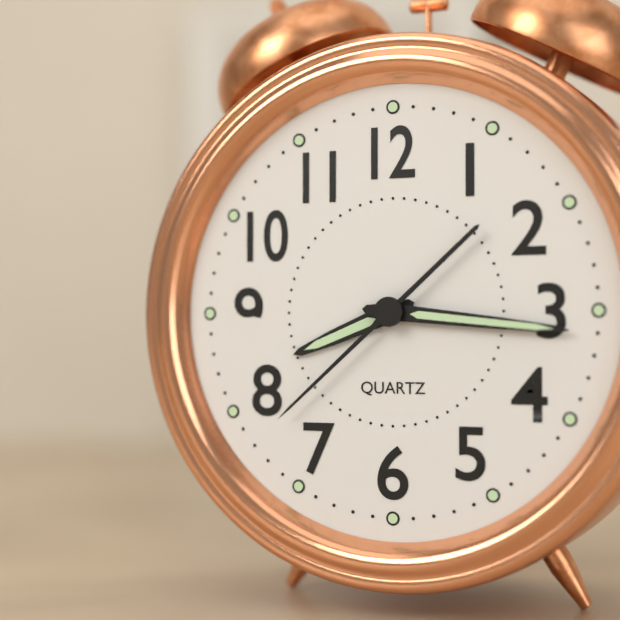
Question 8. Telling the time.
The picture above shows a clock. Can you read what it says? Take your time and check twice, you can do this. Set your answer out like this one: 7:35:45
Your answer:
8:16:38
